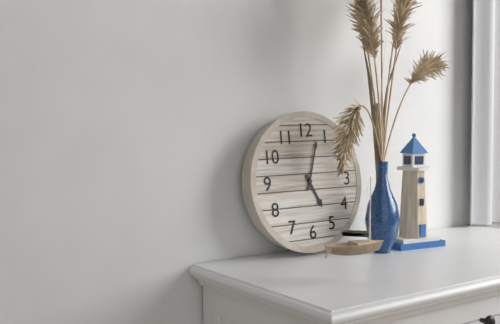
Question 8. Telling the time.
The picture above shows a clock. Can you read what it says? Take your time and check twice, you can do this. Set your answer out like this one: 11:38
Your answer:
5:03
